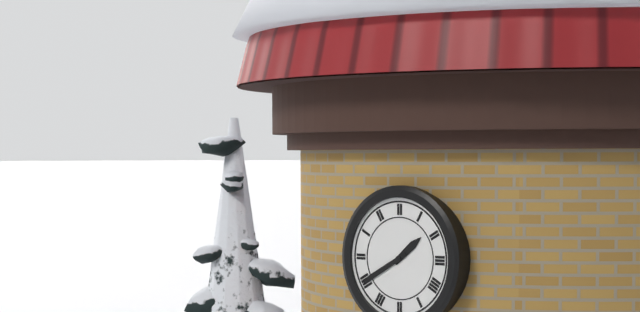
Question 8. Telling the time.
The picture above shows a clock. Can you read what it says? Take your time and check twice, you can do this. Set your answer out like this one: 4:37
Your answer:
1:40
